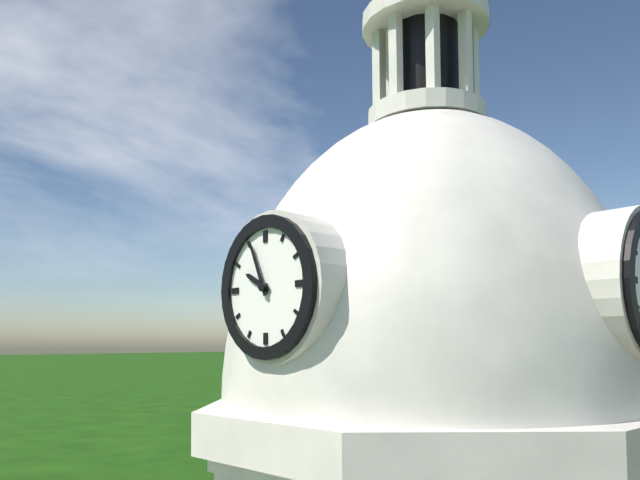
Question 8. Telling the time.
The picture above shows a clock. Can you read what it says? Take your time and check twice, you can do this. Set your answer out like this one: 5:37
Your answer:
9:56
